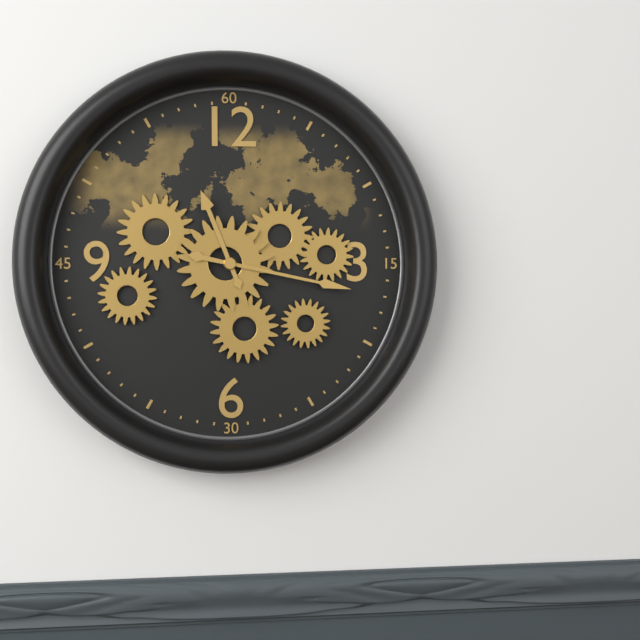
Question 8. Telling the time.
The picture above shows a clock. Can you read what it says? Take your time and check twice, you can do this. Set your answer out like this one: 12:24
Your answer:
11:17
